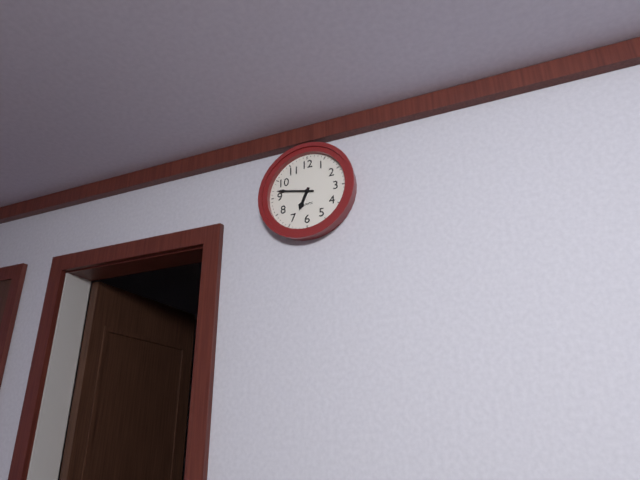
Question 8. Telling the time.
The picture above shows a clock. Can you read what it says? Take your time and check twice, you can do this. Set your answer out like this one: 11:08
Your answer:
6:47
